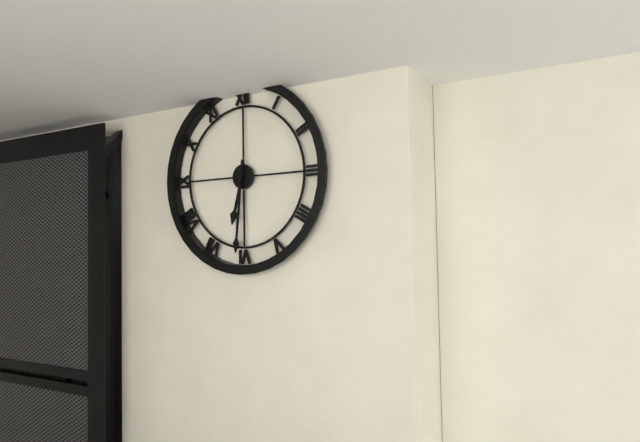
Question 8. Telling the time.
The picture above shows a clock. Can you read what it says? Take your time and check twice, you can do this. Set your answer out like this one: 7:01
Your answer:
6:31
